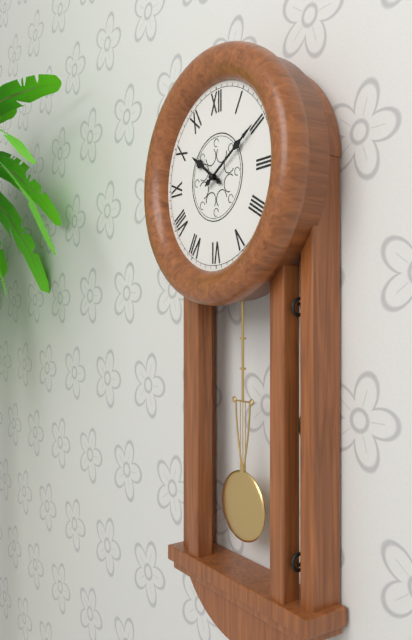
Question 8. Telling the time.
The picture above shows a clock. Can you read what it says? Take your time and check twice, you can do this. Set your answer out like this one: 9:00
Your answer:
10:10
